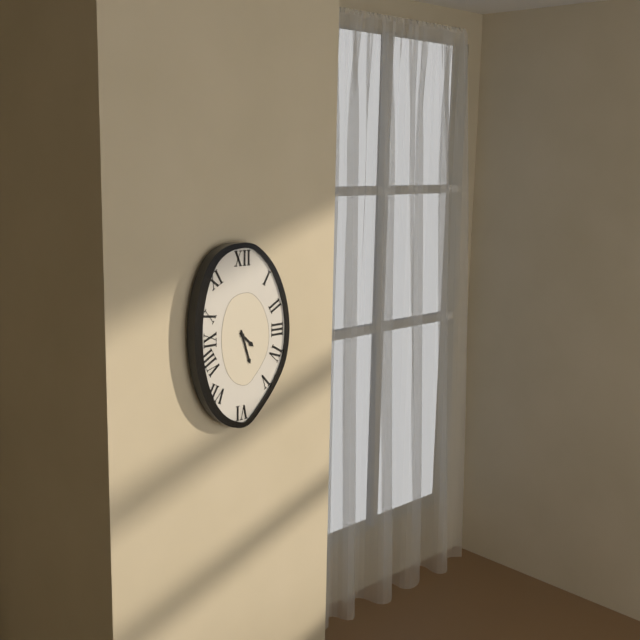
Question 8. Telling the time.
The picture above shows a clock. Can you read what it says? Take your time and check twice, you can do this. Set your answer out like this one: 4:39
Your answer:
4:27
